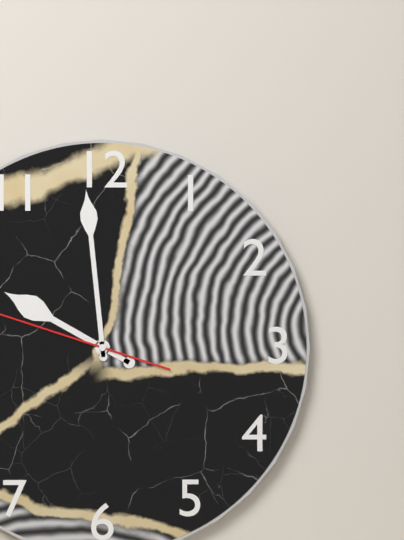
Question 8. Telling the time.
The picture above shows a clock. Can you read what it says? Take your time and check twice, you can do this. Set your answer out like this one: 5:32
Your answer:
9:59
